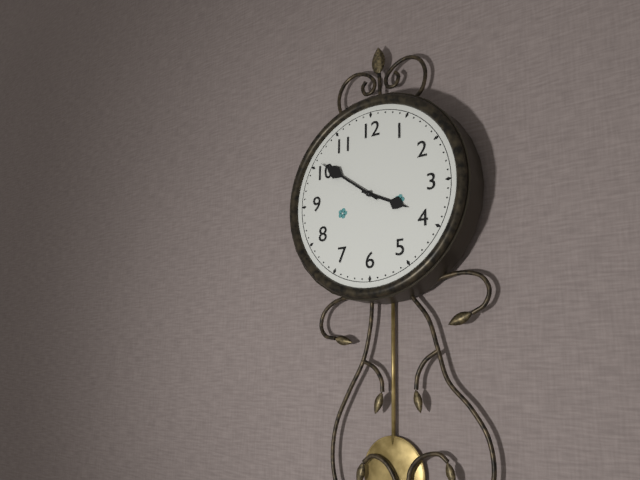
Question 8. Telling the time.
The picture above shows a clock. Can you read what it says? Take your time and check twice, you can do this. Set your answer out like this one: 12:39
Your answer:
3:51
